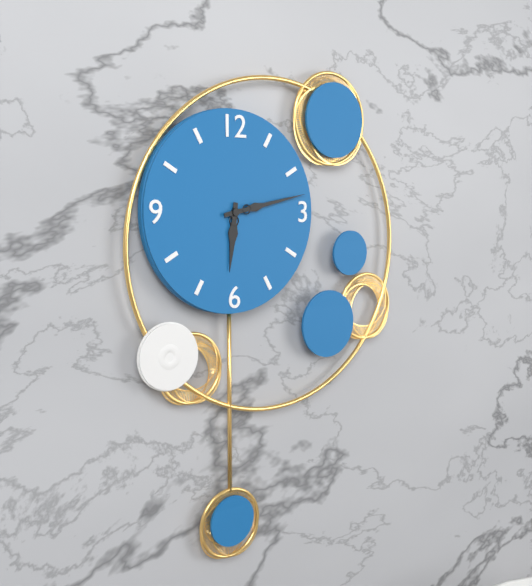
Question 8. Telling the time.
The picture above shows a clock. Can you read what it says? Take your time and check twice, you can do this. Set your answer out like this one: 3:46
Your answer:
6:13
